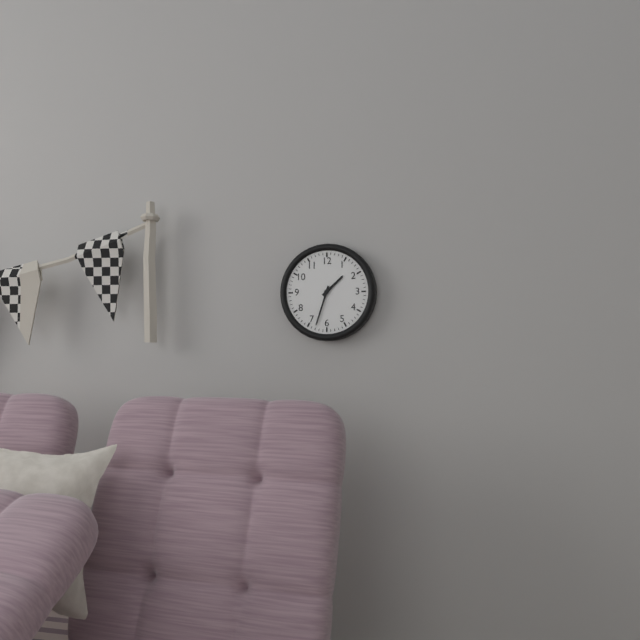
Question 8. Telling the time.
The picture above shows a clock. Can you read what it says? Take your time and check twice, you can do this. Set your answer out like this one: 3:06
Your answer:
1:33
